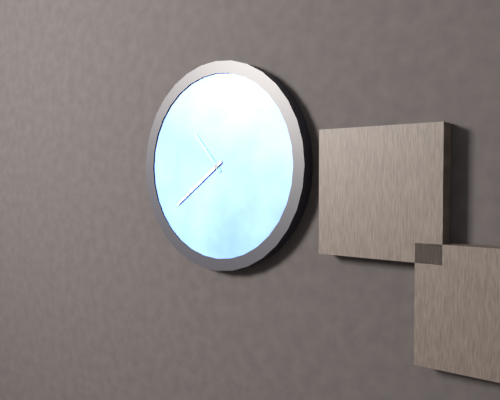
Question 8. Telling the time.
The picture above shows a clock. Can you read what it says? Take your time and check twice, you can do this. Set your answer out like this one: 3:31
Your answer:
10:39
